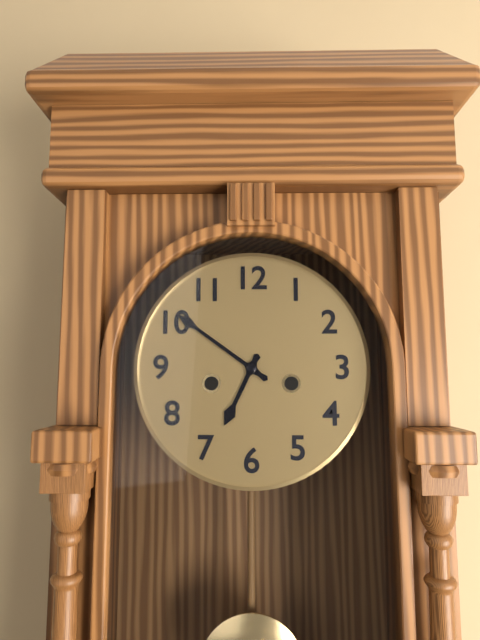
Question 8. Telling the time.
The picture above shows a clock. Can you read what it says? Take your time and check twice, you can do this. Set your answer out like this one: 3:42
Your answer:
6:51
